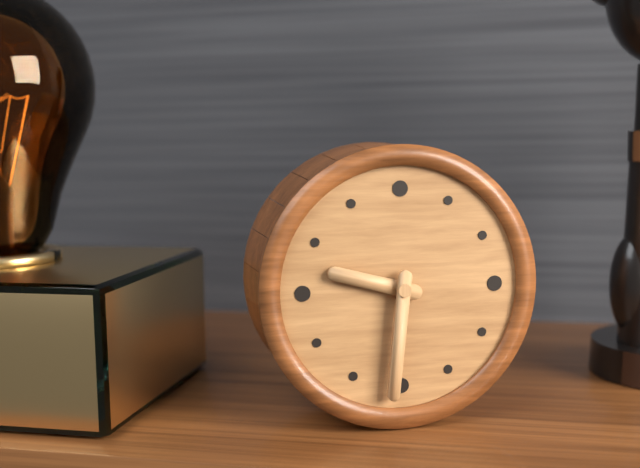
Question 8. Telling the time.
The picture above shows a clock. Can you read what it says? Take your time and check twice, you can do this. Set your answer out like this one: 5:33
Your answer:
9:31
